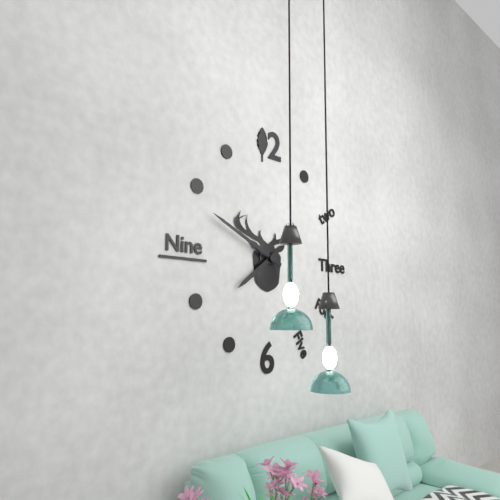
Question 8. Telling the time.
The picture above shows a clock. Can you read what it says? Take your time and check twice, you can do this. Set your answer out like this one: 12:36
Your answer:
7:49
